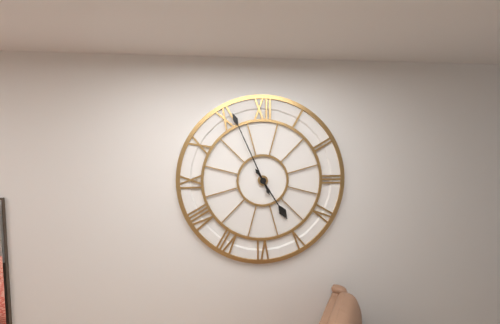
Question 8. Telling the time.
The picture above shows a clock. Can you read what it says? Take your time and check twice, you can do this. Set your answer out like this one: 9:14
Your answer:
4:56
